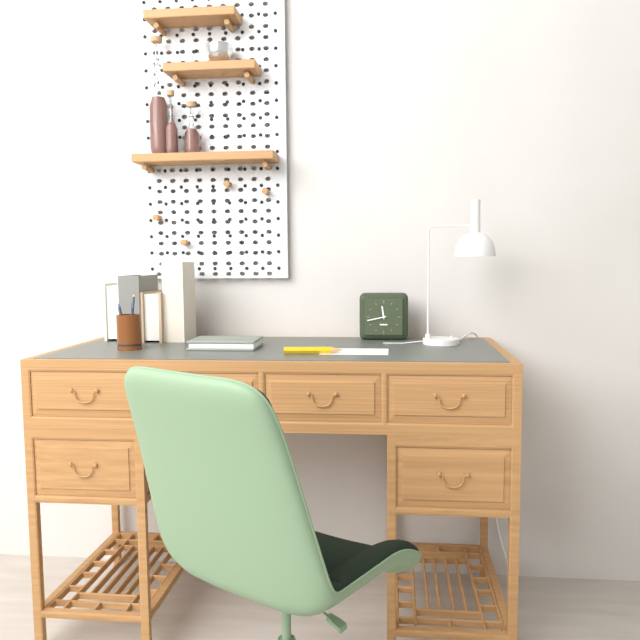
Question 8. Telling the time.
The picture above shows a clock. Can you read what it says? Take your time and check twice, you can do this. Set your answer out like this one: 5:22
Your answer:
11:43
